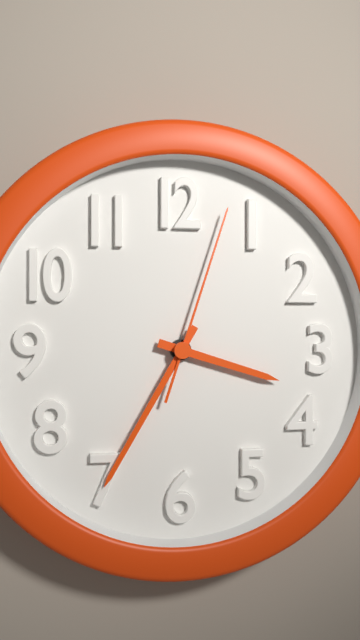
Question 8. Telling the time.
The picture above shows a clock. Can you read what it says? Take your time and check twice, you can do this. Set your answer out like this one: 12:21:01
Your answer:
3:35:03
